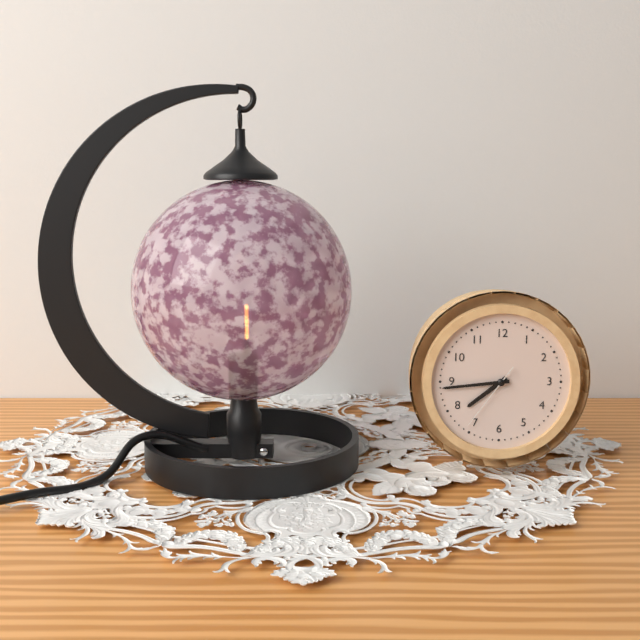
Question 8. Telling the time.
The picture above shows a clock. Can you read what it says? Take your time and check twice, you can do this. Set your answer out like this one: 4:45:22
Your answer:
7:44:36
